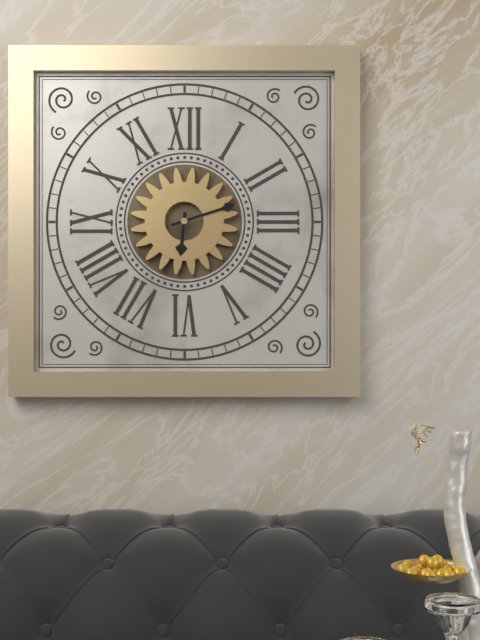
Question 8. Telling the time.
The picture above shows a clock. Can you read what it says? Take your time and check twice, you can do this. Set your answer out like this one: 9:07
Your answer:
6:12
